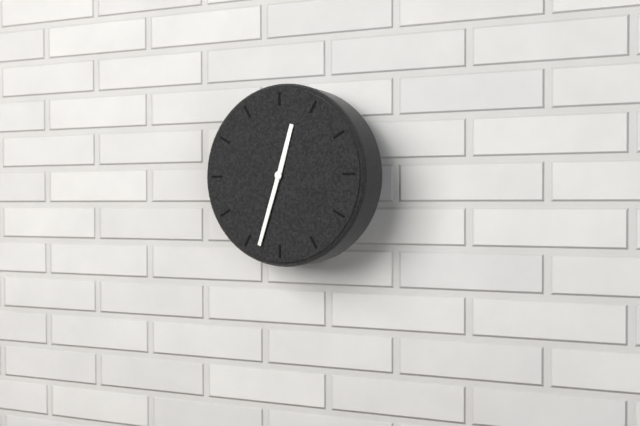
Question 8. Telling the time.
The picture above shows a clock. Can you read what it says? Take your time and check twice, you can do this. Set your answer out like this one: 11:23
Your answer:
12:33
